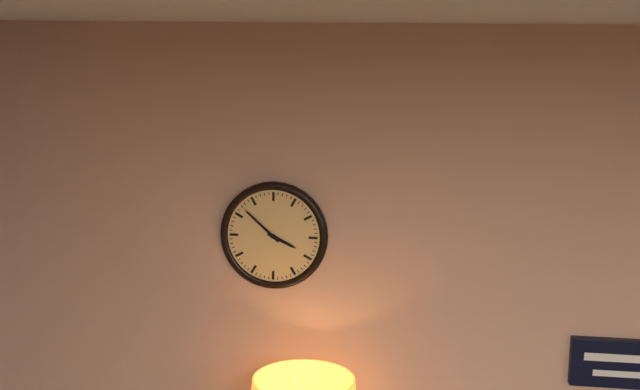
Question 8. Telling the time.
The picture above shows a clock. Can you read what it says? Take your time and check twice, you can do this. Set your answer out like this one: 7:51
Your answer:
3:52
